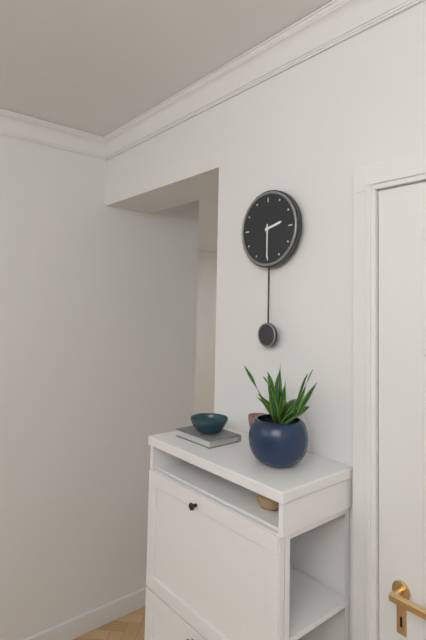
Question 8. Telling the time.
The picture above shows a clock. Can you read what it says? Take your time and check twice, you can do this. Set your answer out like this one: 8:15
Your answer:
2:30
